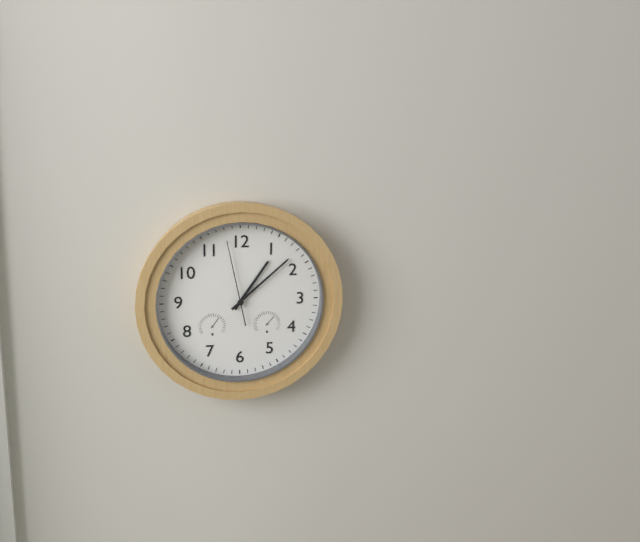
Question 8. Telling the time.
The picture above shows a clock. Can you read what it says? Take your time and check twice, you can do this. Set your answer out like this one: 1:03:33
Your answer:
1:08:58
